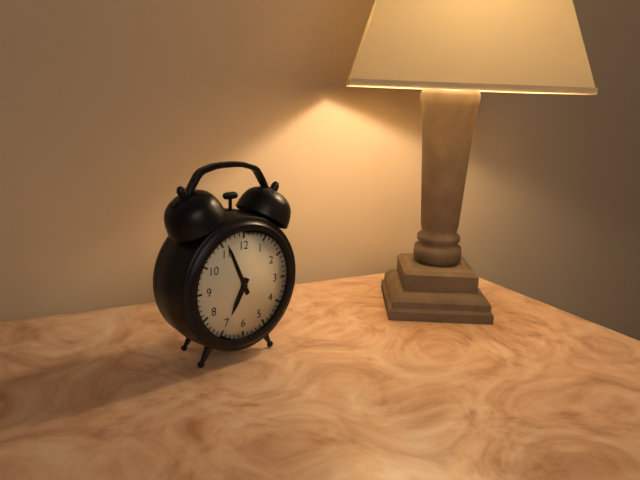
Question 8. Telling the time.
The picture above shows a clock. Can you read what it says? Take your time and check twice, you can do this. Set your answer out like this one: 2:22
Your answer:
6:56
